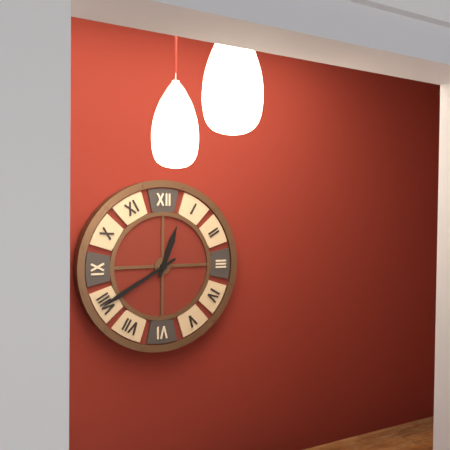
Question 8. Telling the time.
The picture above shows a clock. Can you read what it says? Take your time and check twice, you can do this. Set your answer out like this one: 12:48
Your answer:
12:40
